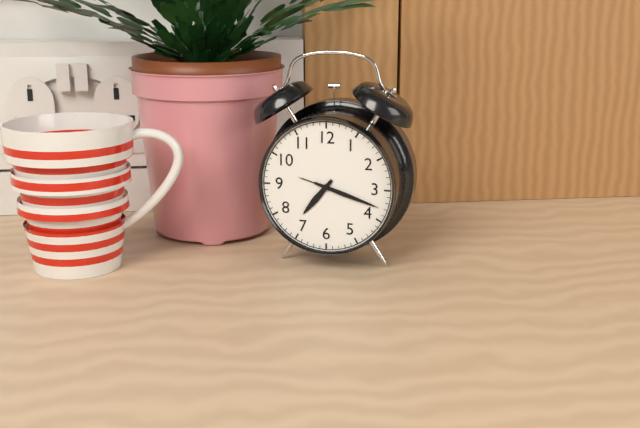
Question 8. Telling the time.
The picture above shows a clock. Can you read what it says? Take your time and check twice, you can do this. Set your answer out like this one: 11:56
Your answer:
7:18
